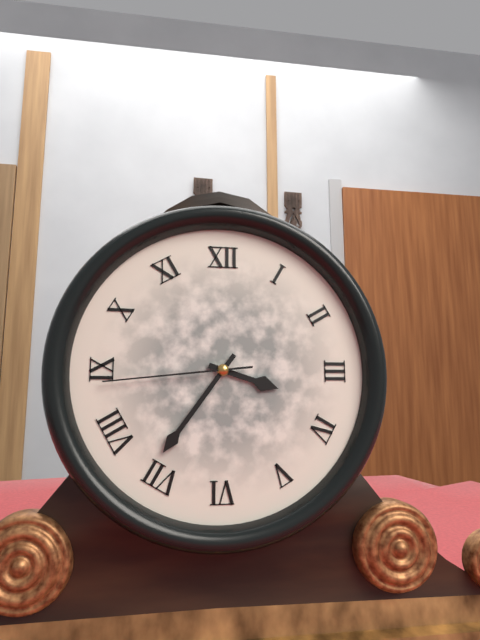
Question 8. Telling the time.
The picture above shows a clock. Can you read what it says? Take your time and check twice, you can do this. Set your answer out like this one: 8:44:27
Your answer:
3:36:44
